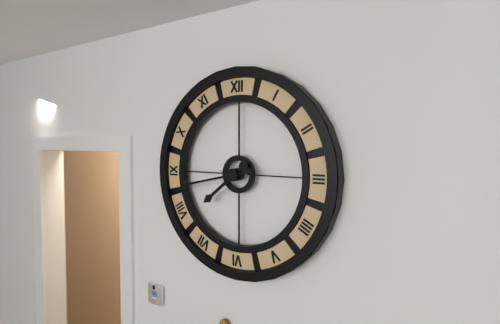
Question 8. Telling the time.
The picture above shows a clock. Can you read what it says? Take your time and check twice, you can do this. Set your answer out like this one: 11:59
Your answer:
7:43
